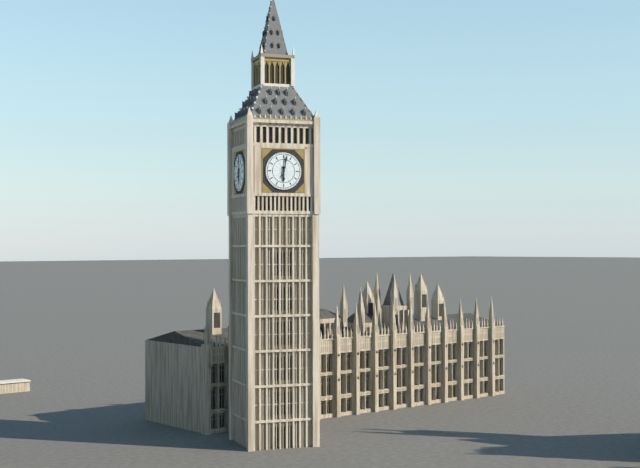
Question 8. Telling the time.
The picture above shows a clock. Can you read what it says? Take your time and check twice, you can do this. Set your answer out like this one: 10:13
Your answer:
6:02
